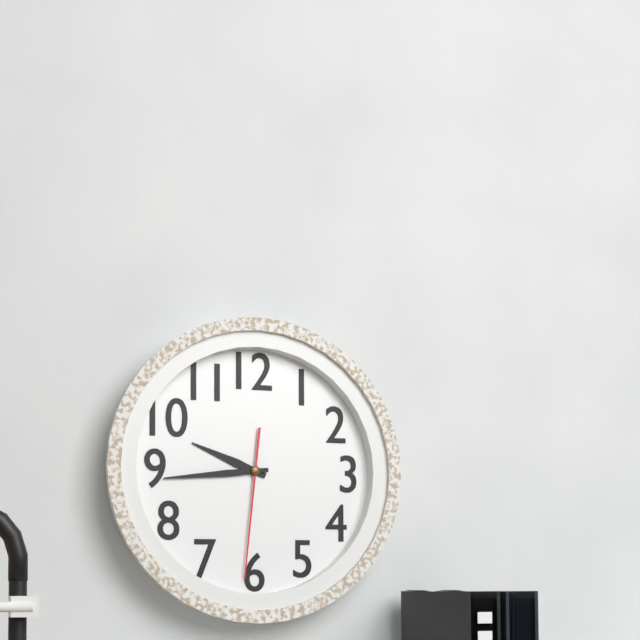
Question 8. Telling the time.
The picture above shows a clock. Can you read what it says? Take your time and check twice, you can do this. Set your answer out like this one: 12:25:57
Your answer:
9:44:31
